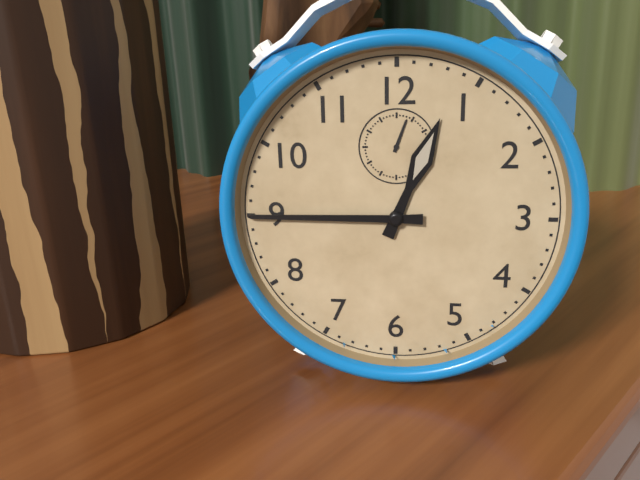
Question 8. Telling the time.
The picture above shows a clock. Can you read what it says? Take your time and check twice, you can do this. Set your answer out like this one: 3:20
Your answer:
12:45
